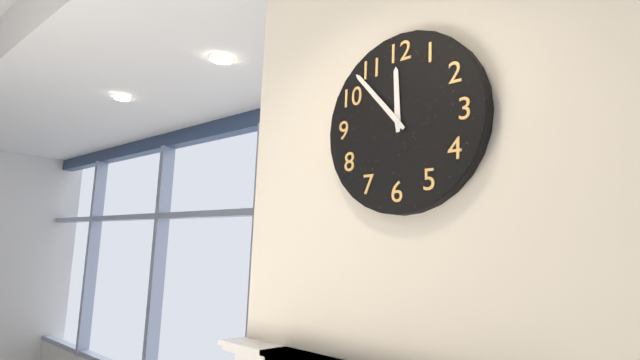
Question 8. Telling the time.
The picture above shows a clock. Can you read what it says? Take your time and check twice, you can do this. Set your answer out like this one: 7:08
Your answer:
11:53
